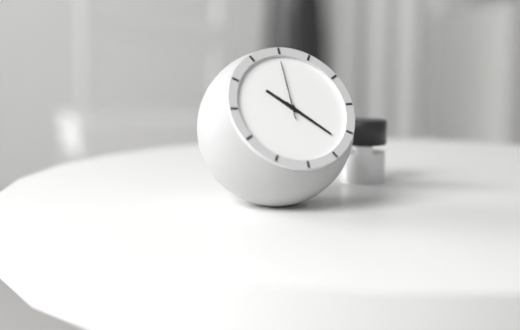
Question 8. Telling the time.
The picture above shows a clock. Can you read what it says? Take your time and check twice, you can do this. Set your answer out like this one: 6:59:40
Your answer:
10:22:00
